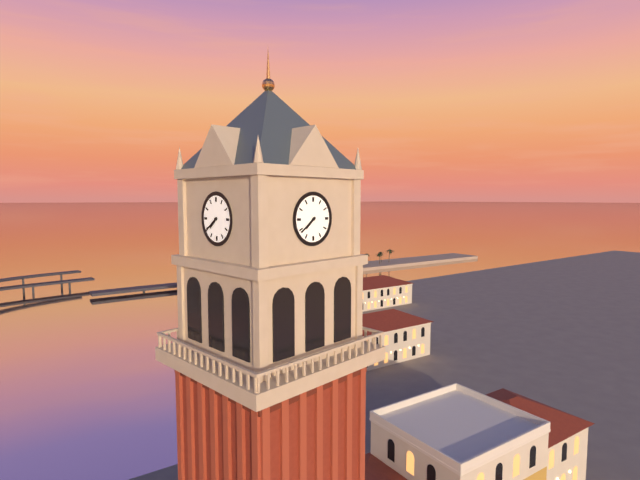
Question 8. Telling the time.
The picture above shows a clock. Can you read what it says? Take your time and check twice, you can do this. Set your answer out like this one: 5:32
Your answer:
7:39
